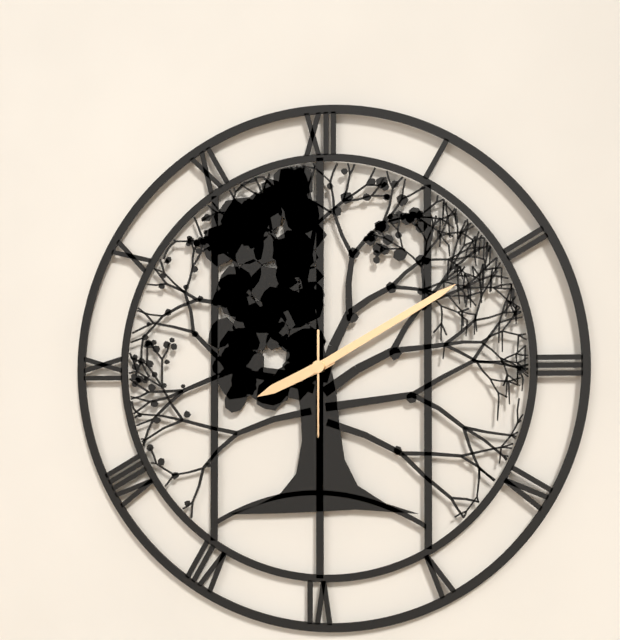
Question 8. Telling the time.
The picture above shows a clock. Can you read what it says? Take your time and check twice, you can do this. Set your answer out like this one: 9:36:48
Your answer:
8:10:30
